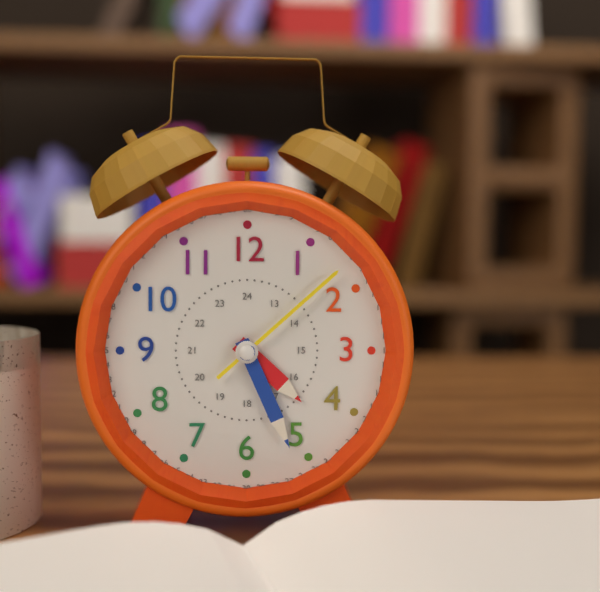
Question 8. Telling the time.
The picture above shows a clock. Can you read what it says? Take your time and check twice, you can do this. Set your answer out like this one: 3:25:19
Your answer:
4:26:08
